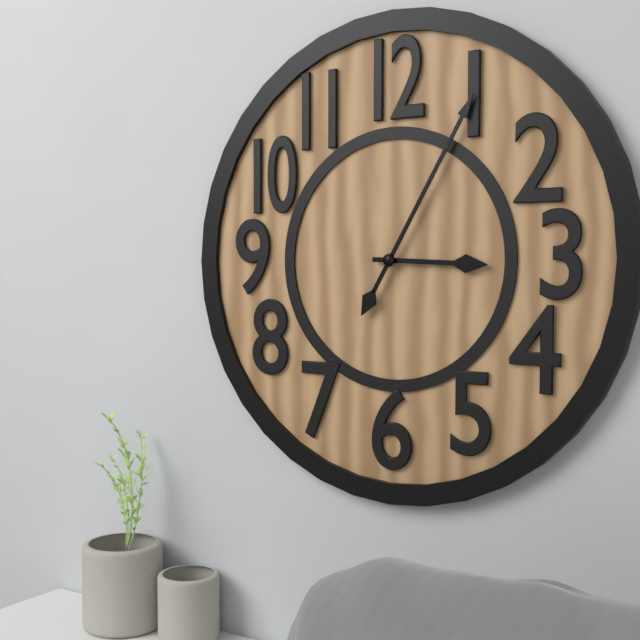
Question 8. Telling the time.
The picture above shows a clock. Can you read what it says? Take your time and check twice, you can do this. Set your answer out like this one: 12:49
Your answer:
3:05
